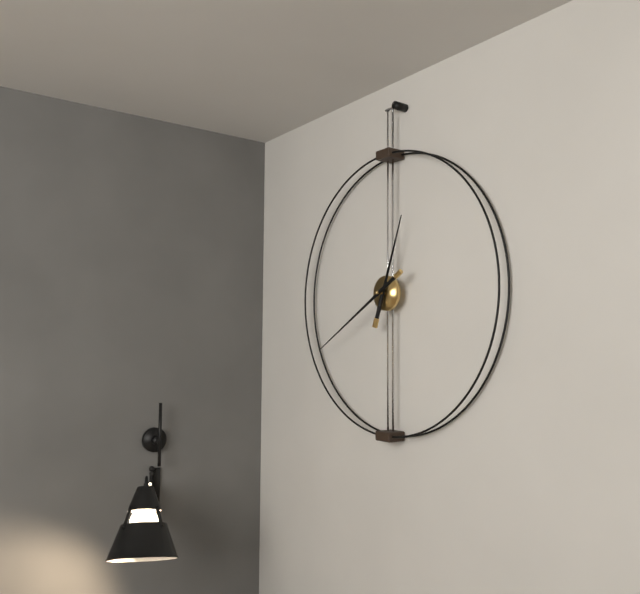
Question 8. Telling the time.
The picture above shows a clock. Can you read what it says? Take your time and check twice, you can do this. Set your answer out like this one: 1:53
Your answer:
12:40
